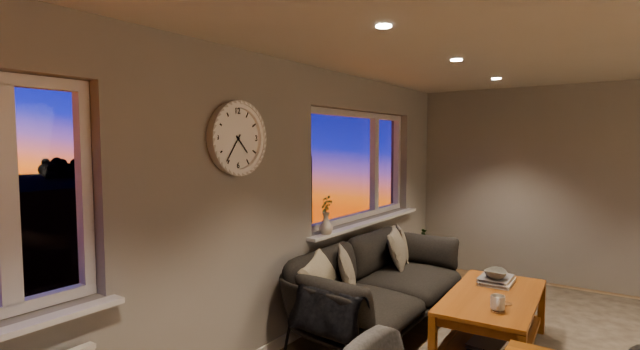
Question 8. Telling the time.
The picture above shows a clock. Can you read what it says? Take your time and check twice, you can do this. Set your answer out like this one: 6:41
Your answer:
4:36
